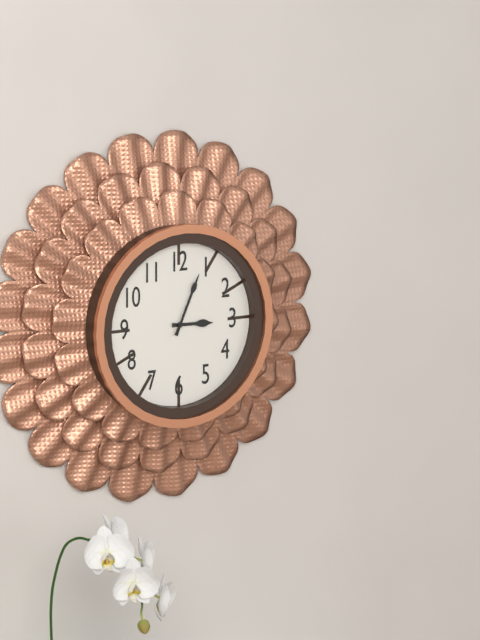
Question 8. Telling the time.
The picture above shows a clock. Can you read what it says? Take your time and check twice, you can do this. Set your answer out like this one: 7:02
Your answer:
3:04
